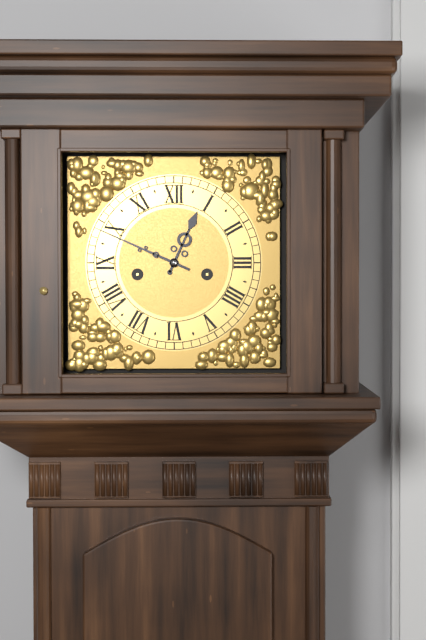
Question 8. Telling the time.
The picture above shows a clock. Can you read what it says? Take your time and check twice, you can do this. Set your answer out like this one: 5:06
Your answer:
12:49
